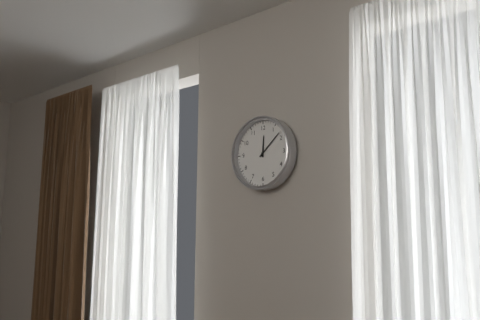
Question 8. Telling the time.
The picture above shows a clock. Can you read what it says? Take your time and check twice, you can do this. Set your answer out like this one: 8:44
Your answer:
12:08
